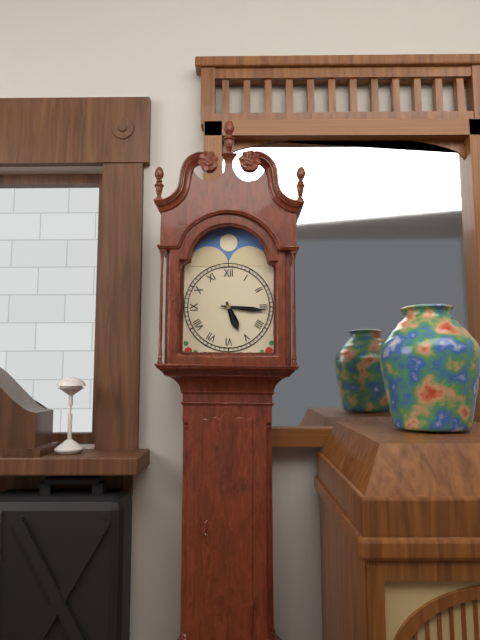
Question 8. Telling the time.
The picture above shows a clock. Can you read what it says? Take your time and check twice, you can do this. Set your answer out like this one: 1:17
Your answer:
5:16
